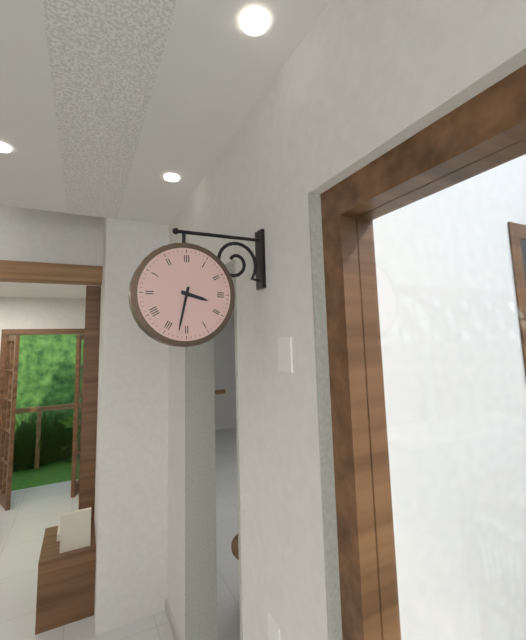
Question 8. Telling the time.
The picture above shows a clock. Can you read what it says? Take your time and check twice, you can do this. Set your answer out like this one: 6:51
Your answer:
3:32
